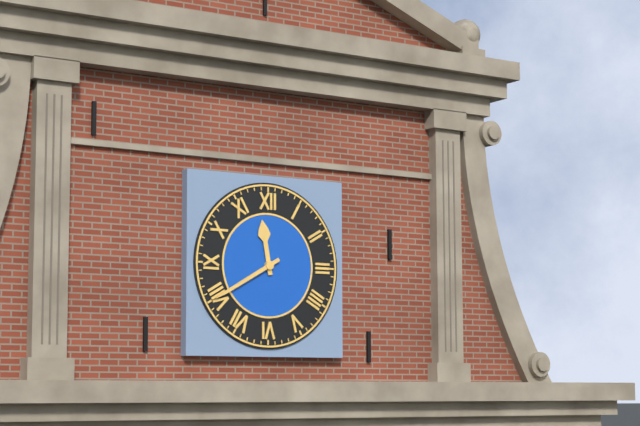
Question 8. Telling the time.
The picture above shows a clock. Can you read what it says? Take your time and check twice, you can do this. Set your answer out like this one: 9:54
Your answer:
11:40
